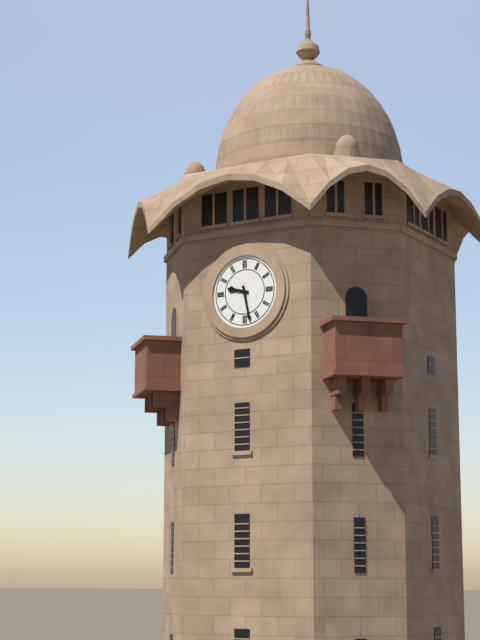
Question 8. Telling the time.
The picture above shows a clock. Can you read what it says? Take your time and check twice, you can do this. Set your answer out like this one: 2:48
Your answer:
9:28
